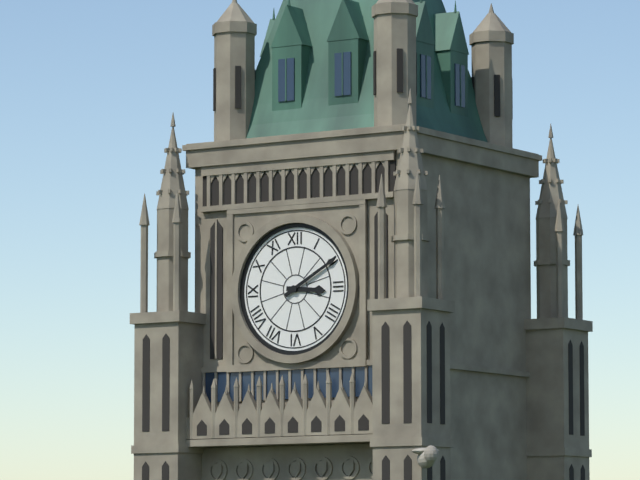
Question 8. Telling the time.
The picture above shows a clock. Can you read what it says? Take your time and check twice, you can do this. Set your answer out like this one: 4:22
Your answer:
3:10
